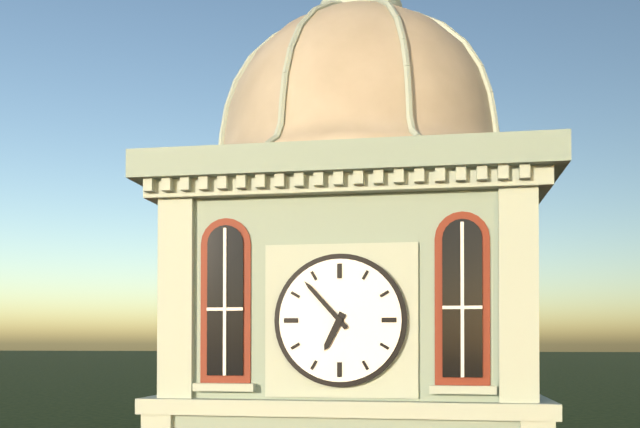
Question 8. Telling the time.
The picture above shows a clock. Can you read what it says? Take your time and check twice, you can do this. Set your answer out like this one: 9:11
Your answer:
6:53
